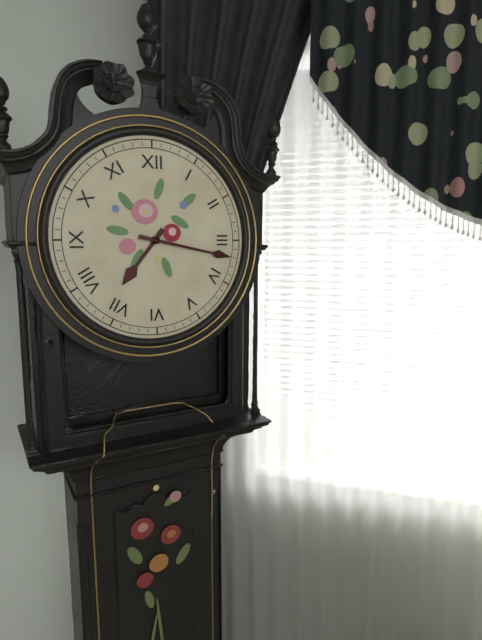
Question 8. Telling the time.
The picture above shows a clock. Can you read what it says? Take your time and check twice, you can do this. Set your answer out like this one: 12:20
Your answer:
7:17
